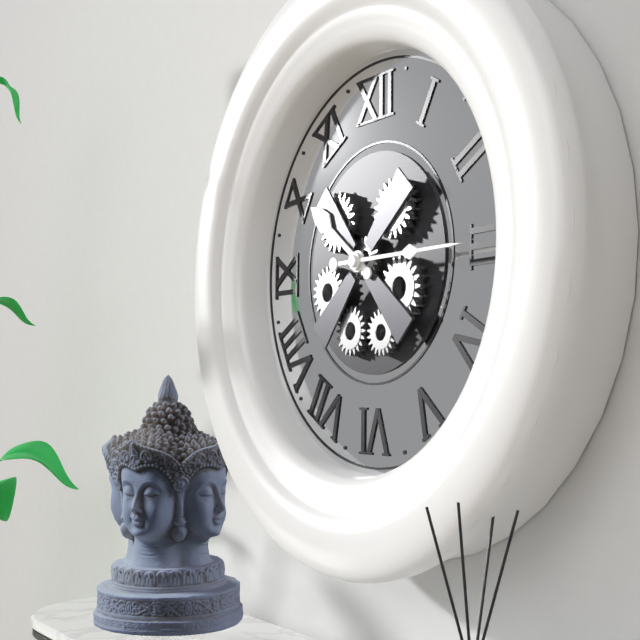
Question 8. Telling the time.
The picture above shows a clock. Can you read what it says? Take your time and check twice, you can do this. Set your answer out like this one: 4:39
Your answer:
10:15
